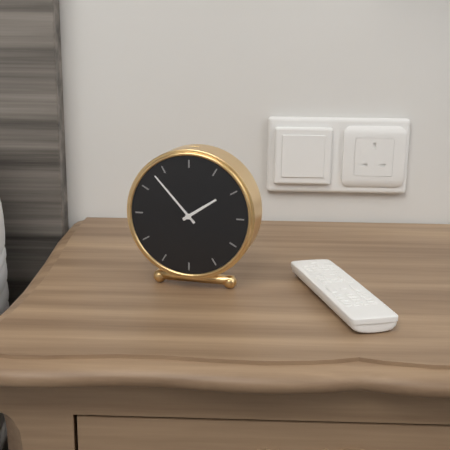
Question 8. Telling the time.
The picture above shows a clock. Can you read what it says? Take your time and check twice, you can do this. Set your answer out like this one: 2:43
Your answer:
1:53
